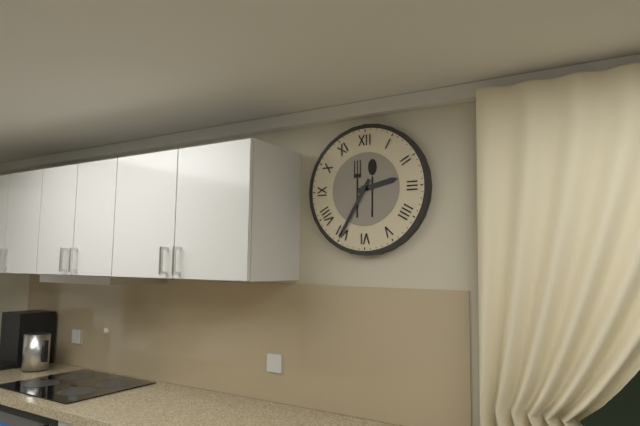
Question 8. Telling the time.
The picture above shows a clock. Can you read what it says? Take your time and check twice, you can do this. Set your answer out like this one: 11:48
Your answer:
2:35
